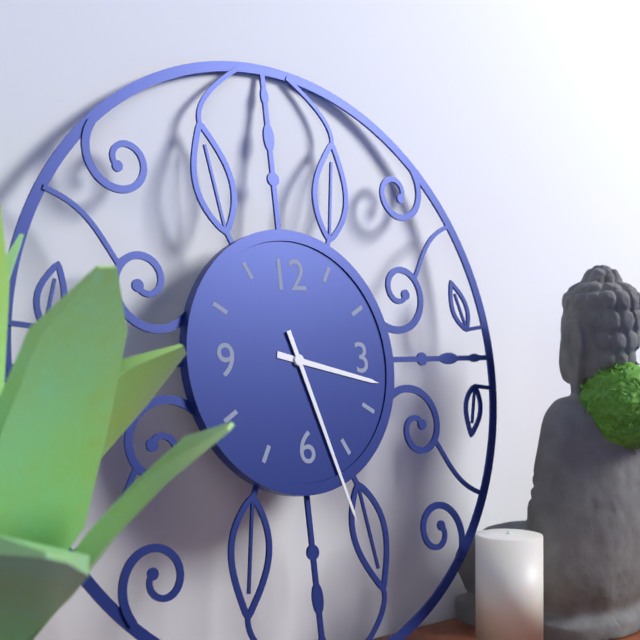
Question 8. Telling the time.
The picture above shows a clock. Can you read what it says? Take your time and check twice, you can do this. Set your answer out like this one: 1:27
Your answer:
3:27
